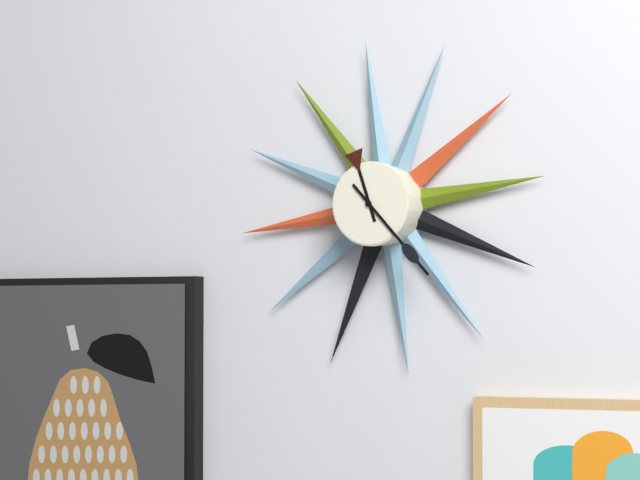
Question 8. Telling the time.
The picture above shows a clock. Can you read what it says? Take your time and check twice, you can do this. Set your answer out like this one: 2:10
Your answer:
11:23
